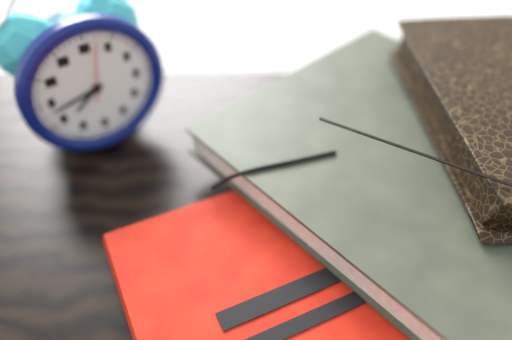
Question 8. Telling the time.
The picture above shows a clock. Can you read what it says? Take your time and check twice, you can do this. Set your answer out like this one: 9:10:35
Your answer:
7:43:02
